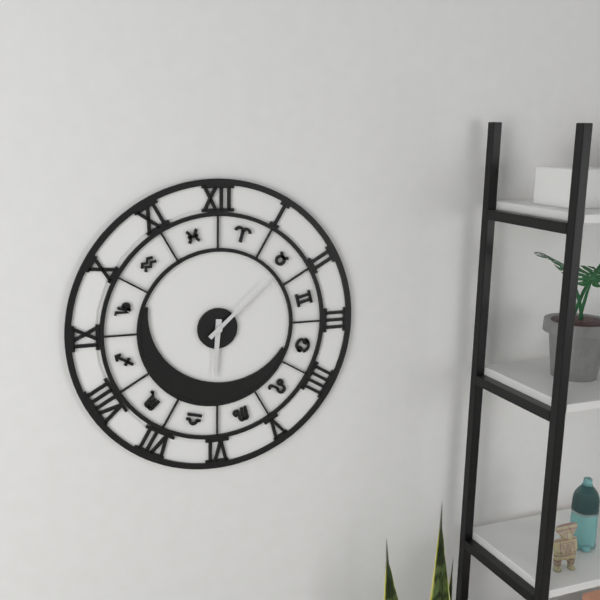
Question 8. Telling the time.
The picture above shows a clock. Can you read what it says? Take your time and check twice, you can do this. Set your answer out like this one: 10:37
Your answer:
6:08
